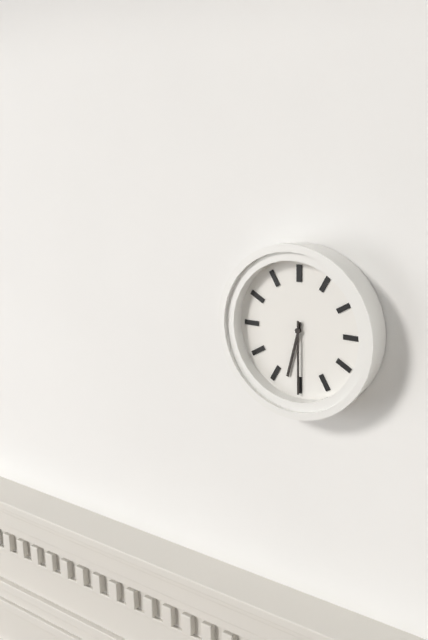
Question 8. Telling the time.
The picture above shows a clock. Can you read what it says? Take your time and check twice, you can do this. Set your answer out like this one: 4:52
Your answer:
6:30
